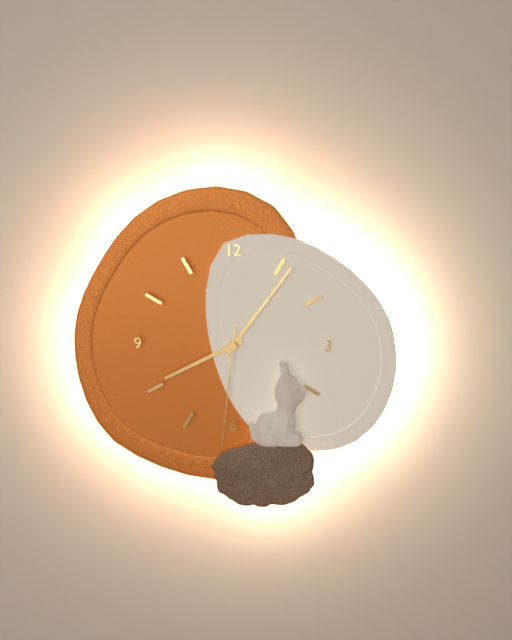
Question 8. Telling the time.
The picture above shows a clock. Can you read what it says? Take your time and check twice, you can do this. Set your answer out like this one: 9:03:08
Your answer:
8:06:31
